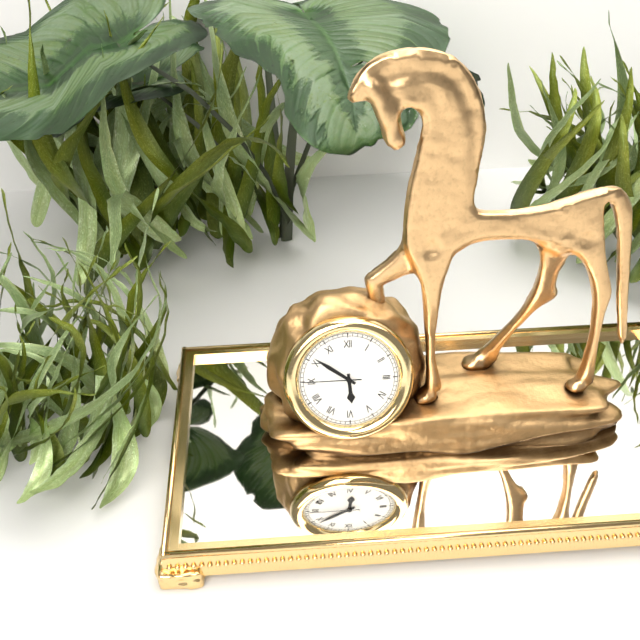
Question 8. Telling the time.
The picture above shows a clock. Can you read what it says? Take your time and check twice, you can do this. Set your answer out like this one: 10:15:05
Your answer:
5:51:45
